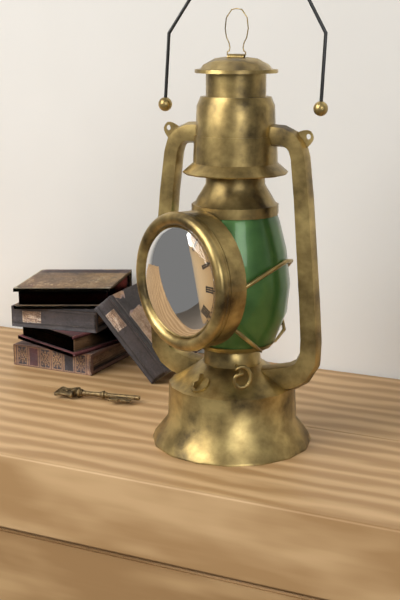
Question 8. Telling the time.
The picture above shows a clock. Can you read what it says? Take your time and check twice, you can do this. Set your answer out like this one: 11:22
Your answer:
10:48
